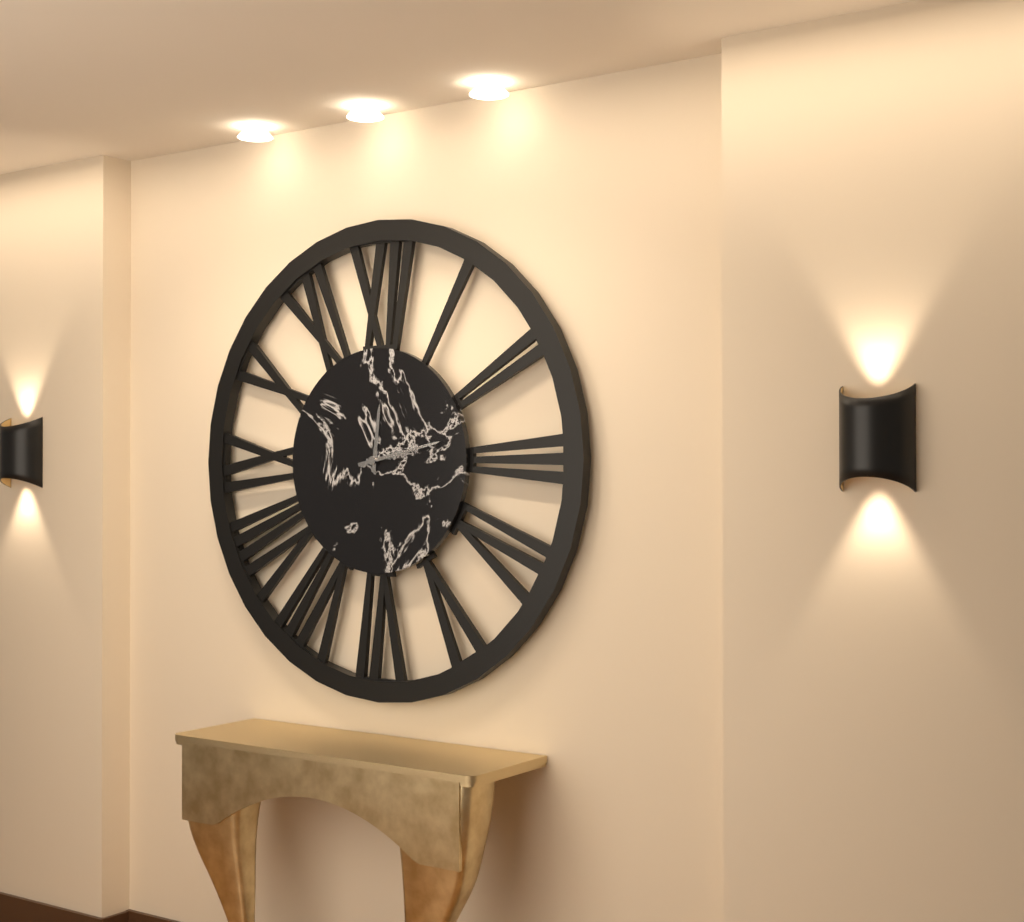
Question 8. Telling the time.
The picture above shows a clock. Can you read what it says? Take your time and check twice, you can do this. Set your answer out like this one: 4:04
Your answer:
12:13
